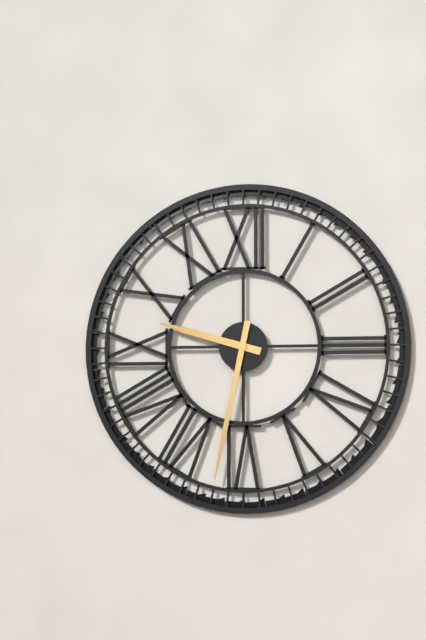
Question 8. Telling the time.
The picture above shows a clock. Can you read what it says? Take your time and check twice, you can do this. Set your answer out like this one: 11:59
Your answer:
9:32
